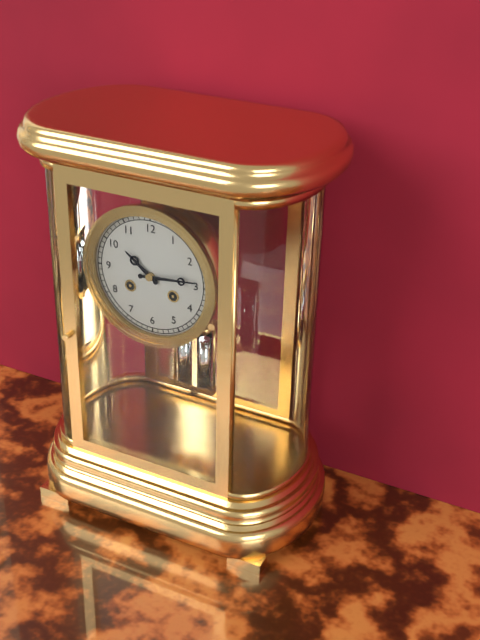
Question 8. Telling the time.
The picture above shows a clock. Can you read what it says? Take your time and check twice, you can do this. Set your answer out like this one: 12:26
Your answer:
10:14
